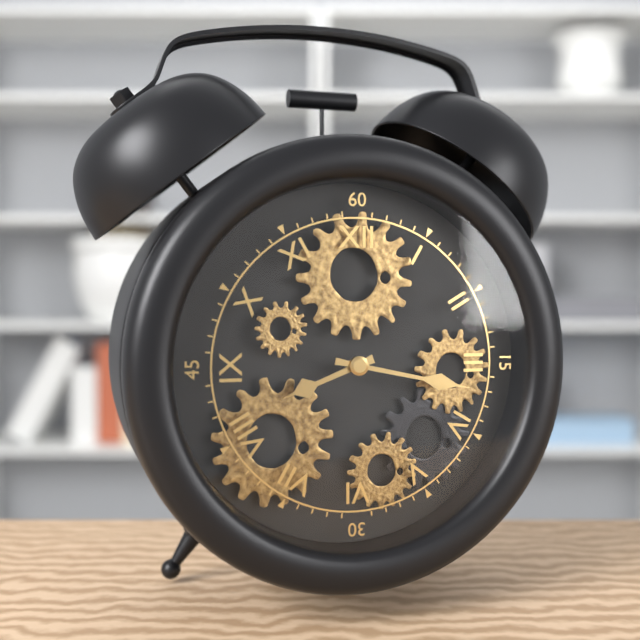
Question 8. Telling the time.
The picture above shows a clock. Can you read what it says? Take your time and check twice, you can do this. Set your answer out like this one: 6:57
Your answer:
8:17
